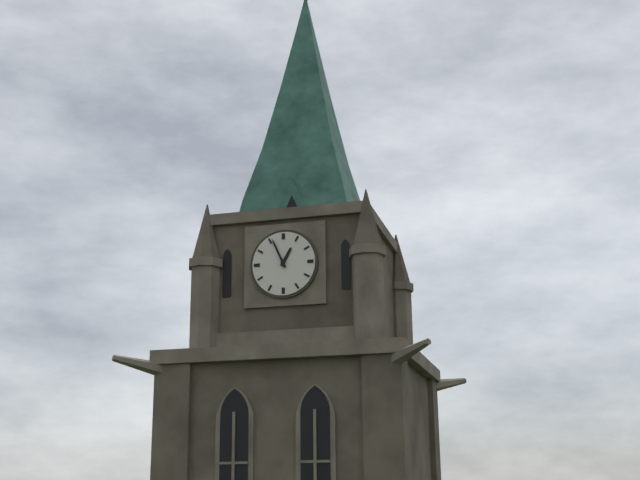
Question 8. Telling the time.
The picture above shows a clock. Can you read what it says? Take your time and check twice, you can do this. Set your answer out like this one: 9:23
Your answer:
12:56
